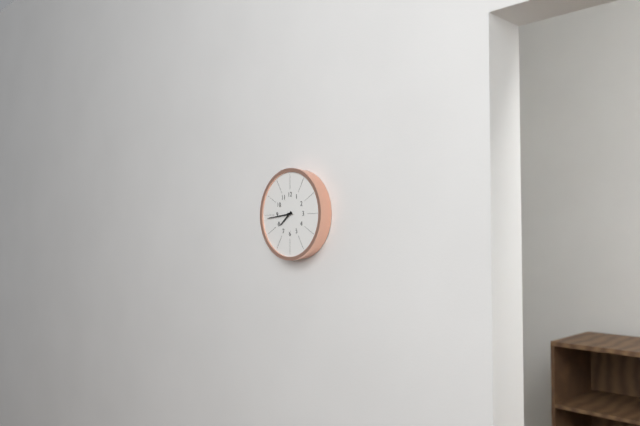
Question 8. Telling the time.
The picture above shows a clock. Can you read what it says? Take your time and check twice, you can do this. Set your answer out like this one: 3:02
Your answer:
7:44
